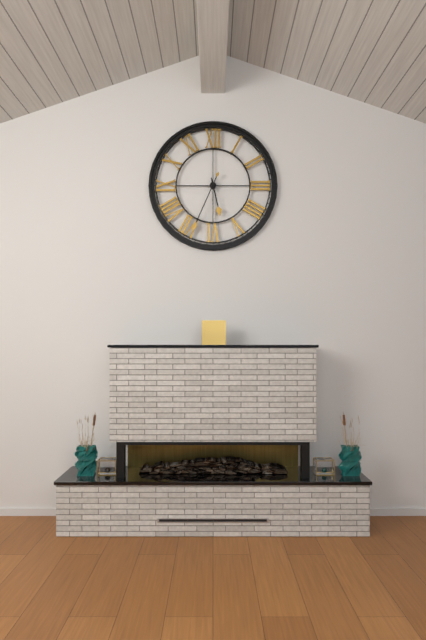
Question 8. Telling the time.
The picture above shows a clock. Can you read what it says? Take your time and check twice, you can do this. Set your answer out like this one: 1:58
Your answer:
5:34
